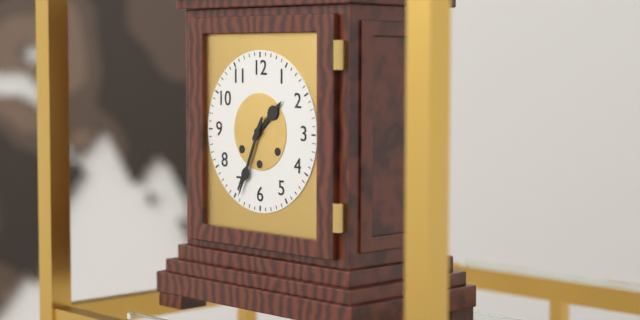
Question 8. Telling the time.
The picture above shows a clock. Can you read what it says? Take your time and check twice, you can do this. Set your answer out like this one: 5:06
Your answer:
1:34
